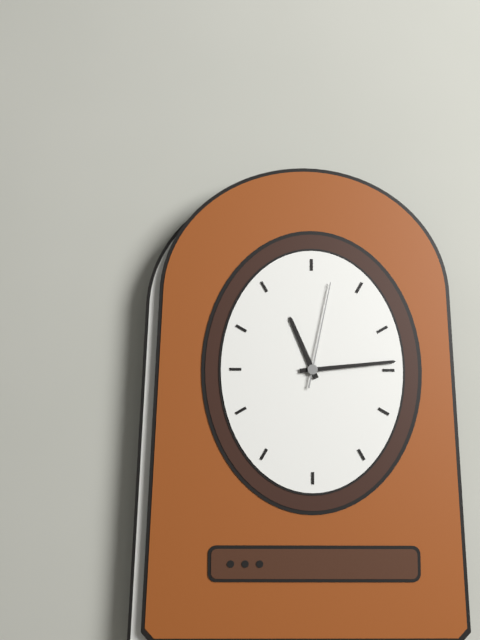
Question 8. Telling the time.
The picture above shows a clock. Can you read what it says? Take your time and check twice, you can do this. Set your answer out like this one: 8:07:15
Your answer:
11:14:02
